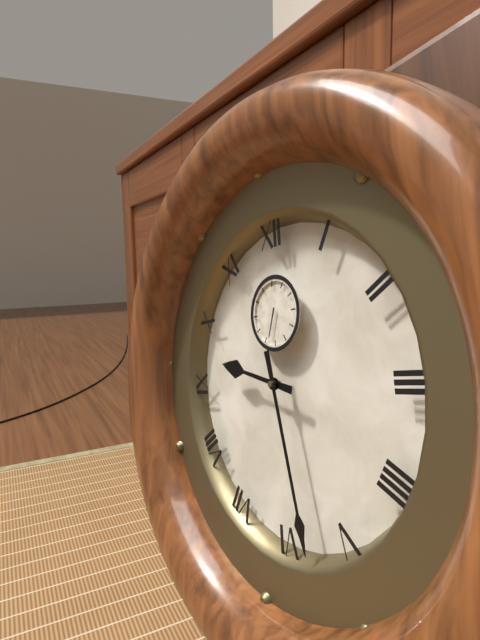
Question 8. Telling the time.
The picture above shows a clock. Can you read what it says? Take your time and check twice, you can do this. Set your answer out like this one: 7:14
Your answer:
9:28
